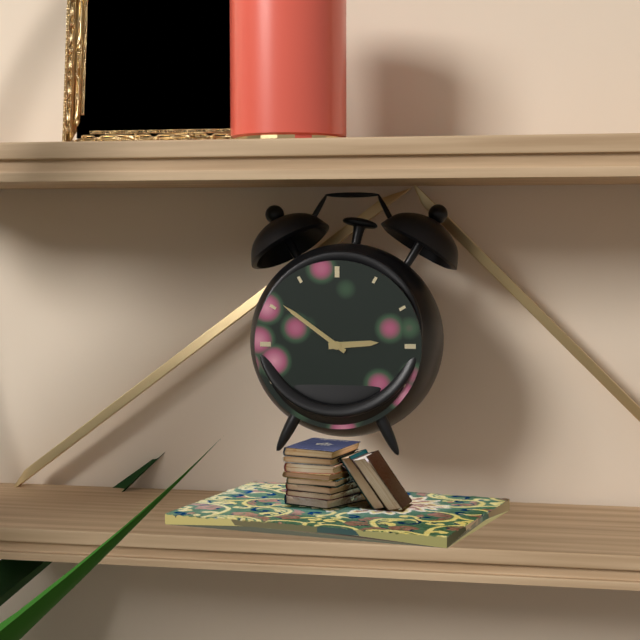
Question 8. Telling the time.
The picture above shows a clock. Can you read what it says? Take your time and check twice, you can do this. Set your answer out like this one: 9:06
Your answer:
2:51
